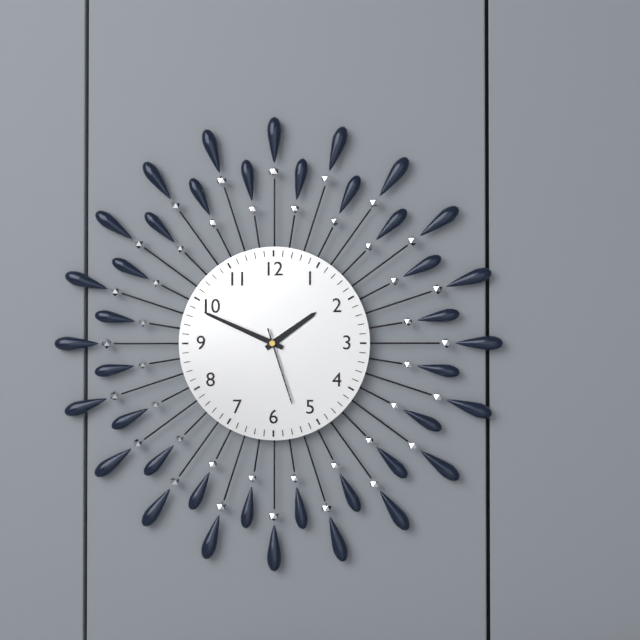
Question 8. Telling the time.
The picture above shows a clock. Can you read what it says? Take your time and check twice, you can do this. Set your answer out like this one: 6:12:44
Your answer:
1:49:27
